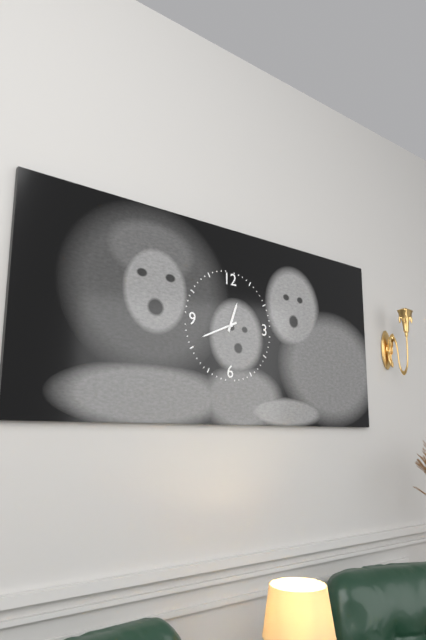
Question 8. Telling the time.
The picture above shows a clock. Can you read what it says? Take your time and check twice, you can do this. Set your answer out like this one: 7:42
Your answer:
12:41
